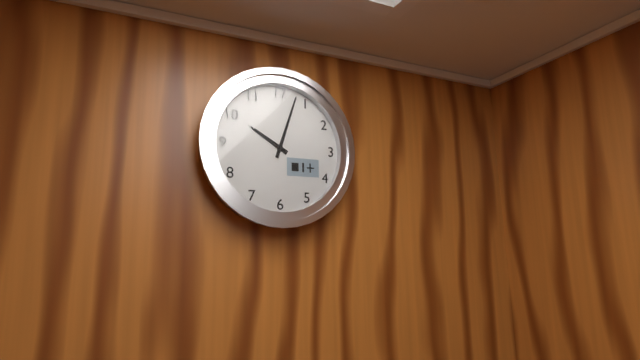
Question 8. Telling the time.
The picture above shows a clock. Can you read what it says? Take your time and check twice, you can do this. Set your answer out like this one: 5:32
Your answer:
10:03
